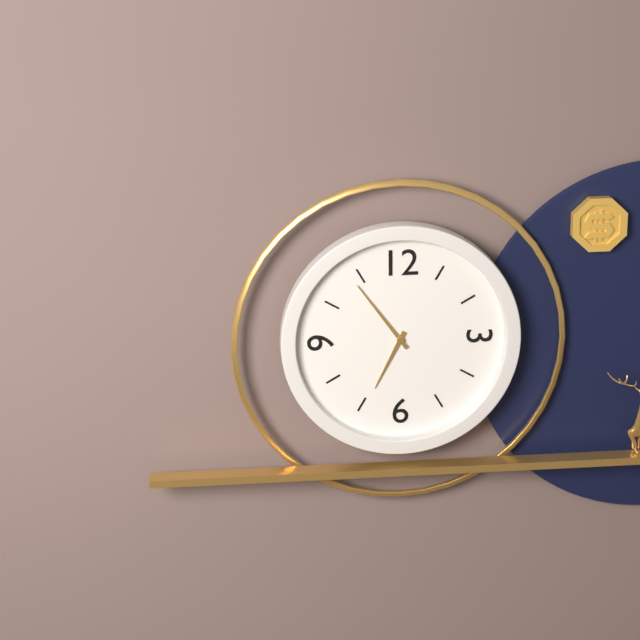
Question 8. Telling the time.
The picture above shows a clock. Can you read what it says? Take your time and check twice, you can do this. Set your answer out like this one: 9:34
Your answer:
6:54
